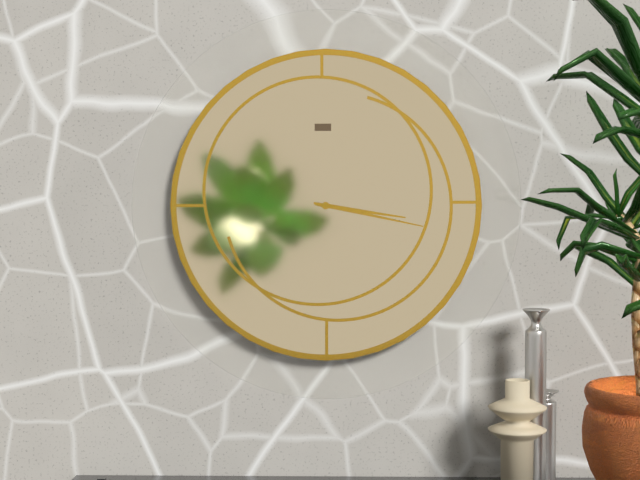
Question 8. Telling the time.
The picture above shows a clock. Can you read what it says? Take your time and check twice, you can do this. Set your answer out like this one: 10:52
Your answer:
3:17
